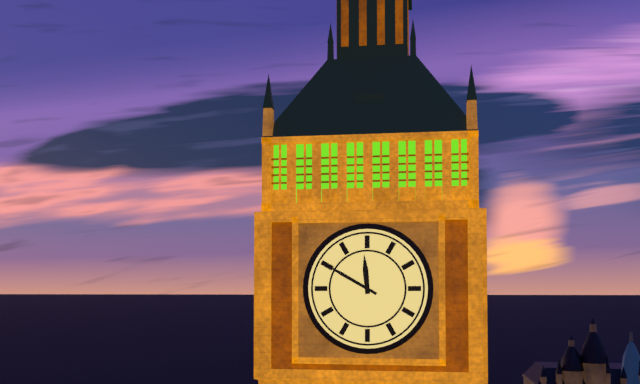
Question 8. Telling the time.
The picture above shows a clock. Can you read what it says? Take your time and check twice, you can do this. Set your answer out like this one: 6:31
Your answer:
11:50
